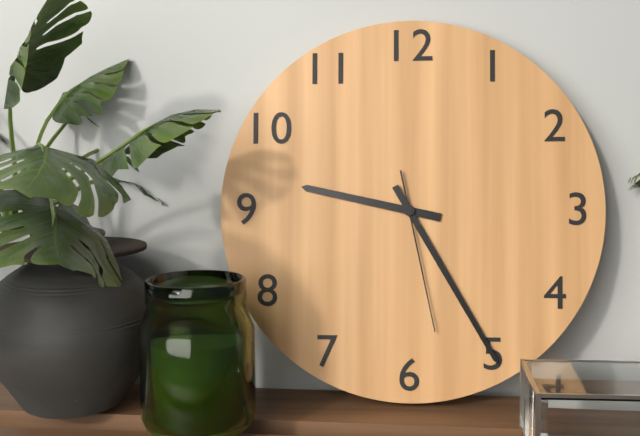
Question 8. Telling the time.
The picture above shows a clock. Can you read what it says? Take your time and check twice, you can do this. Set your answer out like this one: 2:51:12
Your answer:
9:25:28
